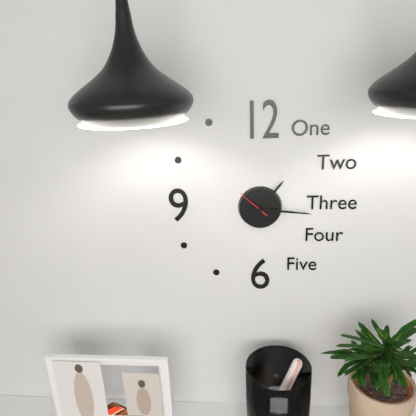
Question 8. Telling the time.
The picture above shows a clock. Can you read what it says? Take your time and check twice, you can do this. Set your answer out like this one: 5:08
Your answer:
1:16
